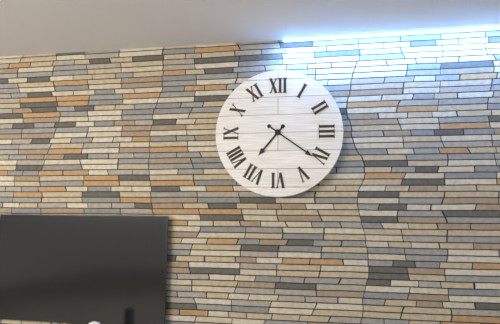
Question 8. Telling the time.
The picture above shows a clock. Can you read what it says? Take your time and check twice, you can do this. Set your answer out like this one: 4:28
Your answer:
7:21
